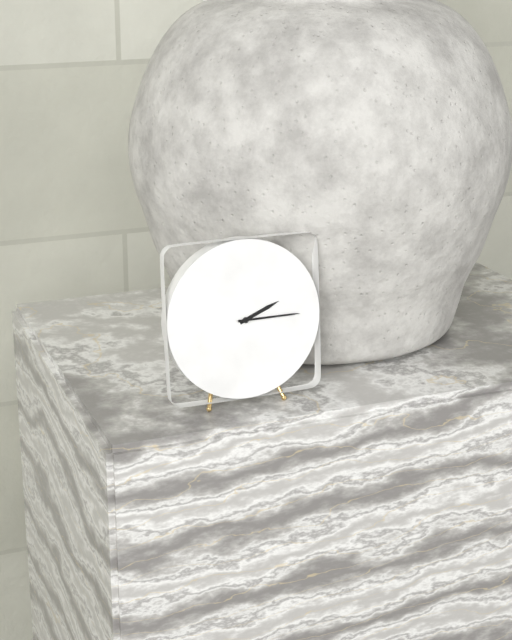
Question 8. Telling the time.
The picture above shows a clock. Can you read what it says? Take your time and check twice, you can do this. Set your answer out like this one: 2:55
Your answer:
2:15
